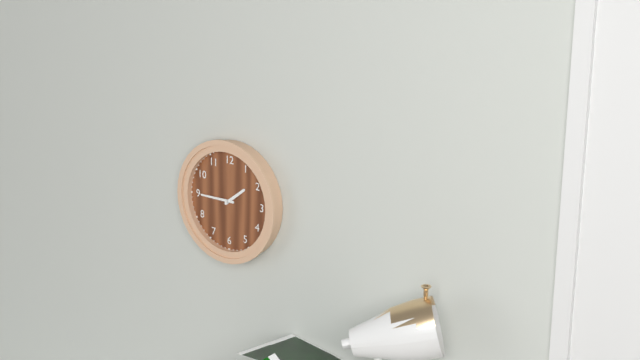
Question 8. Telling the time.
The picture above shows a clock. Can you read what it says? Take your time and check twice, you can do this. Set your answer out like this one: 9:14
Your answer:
1:45
